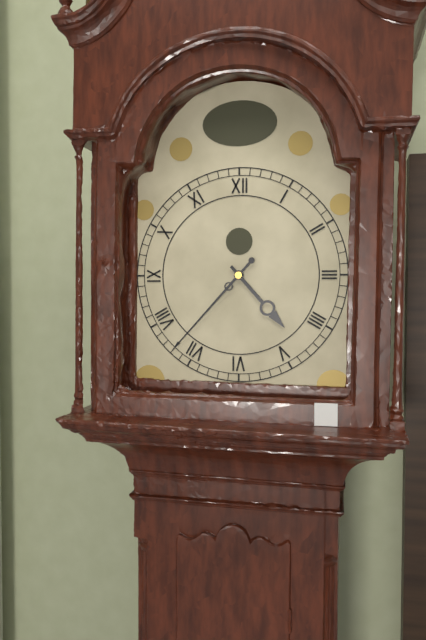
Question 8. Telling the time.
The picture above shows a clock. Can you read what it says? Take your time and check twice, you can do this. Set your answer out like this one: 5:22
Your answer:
4:37
